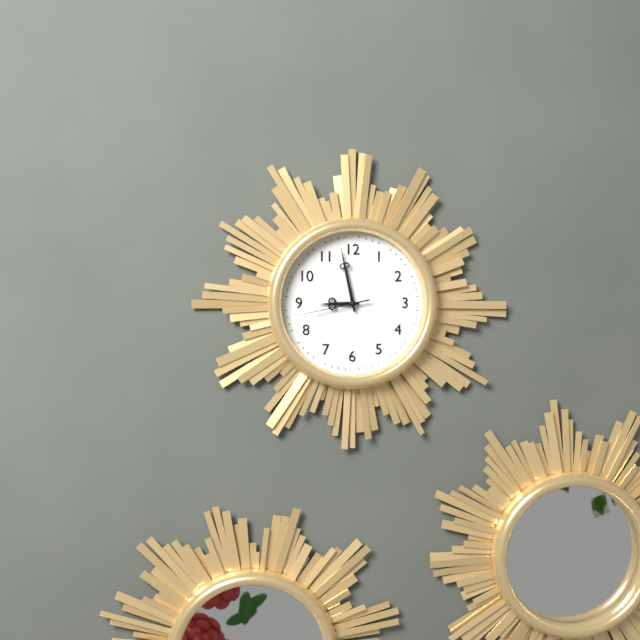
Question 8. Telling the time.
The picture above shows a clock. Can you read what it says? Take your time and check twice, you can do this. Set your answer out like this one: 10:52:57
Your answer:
8:58:43
